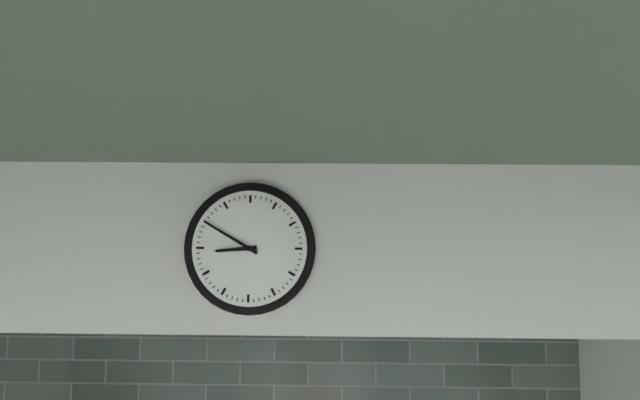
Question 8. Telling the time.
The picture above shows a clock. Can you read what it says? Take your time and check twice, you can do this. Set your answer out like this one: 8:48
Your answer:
8:50
